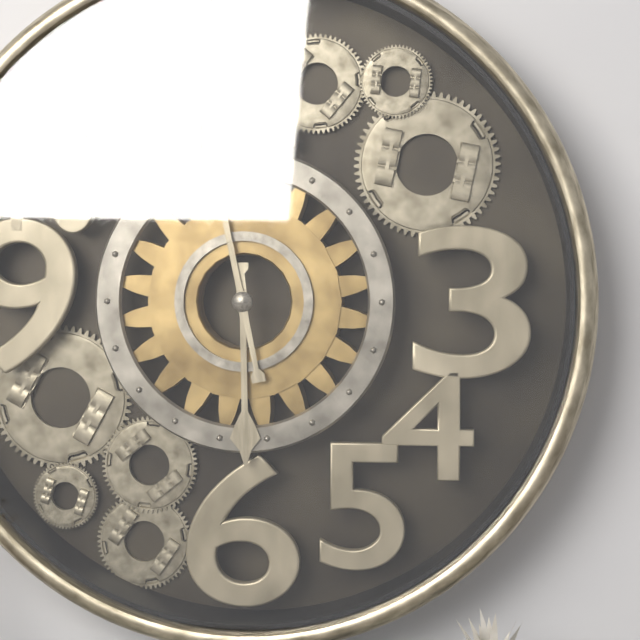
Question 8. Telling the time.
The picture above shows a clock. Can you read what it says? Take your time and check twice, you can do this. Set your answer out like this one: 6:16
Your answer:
5:58
